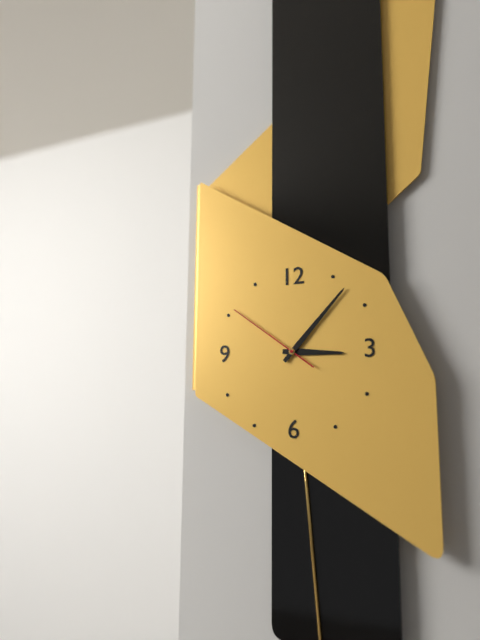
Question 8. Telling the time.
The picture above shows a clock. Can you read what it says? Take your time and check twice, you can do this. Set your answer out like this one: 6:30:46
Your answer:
3:07:51
